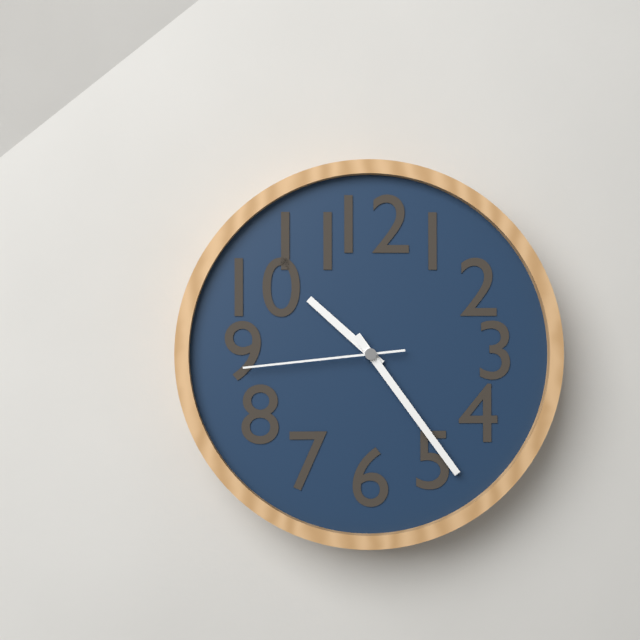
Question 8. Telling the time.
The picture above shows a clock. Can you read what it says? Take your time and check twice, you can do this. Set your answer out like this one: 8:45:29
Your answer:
10:24:44
